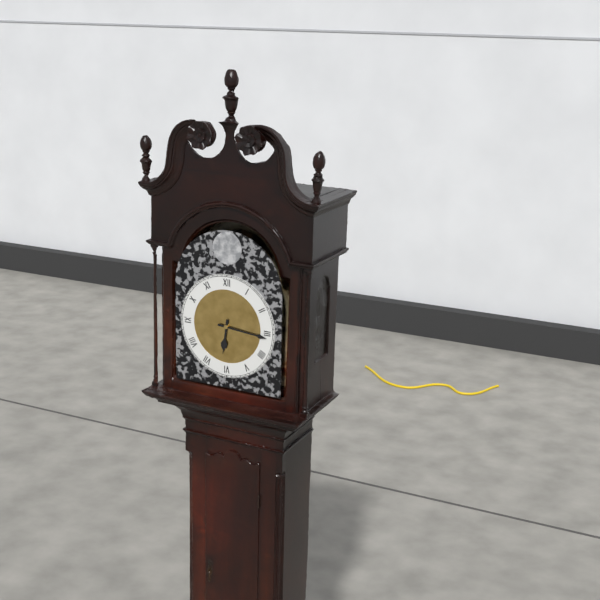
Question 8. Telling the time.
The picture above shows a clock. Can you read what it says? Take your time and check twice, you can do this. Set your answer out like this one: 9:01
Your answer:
6:16
